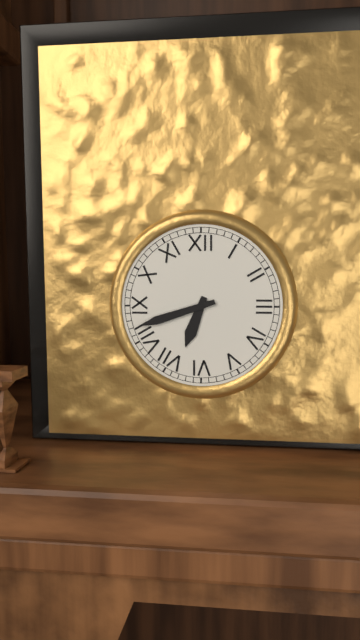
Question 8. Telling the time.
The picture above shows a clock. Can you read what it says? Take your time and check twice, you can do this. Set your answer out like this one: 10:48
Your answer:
6:42
